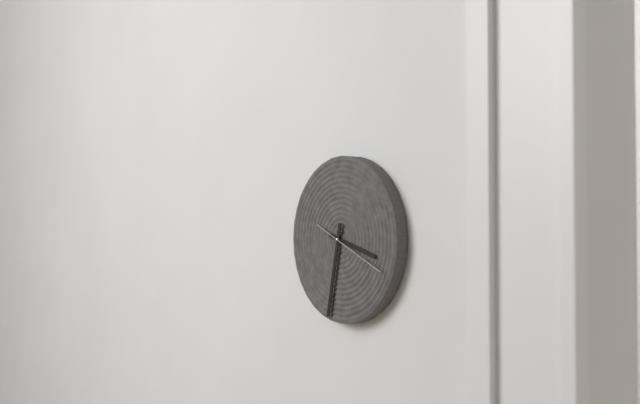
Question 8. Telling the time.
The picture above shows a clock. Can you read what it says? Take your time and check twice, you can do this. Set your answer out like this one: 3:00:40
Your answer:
3:32:19
